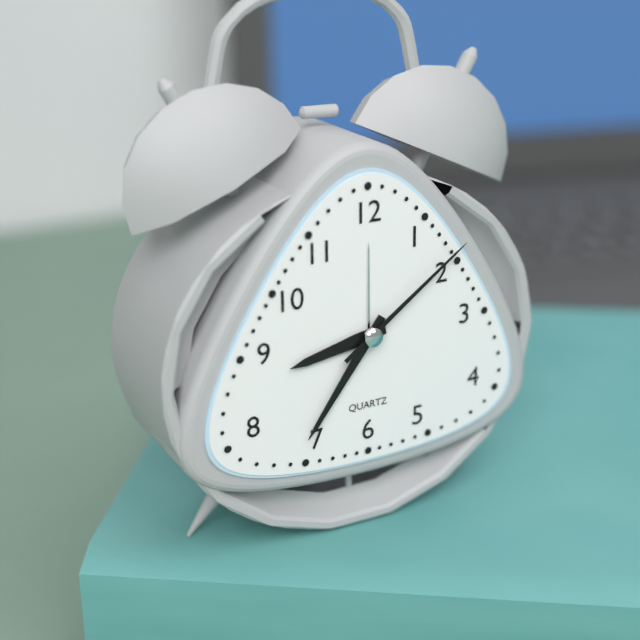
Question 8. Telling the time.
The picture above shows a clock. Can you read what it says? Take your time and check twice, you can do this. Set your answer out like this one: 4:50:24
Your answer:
8:36:09
